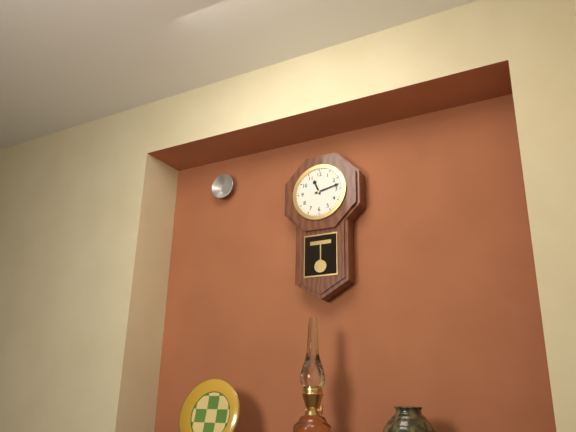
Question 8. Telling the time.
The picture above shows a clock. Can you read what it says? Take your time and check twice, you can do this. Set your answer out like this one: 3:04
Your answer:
11:13
